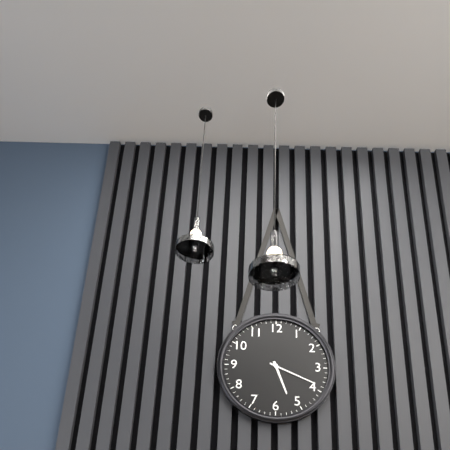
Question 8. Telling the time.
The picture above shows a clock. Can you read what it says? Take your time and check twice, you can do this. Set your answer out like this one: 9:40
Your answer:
5:19
